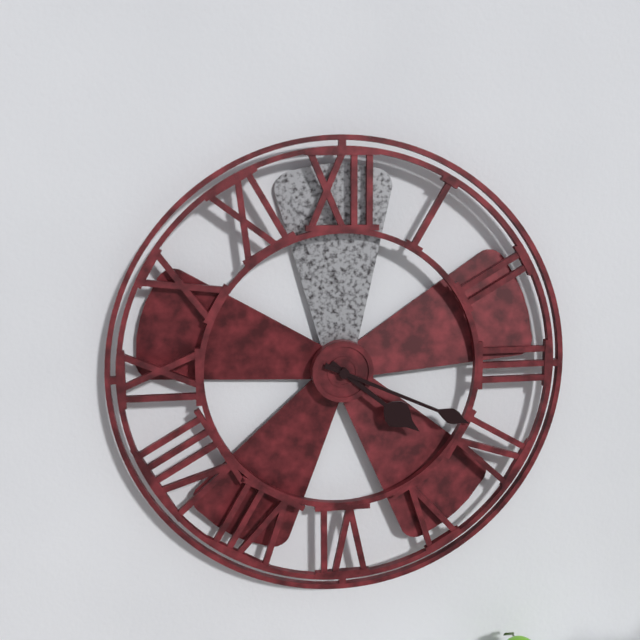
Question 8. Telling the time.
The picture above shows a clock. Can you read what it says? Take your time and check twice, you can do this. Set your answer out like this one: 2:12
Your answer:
4:19
